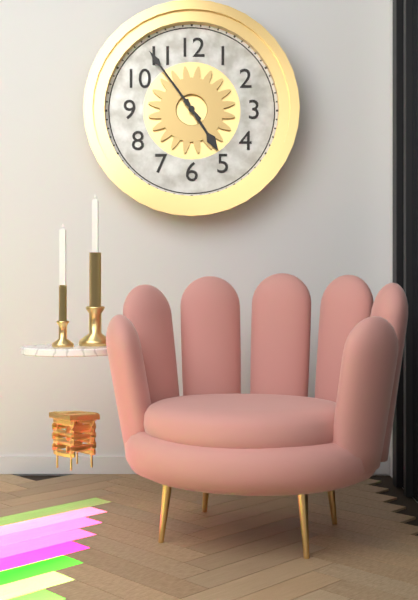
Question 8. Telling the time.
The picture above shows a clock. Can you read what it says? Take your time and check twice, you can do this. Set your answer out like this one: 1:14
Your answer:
4:54
